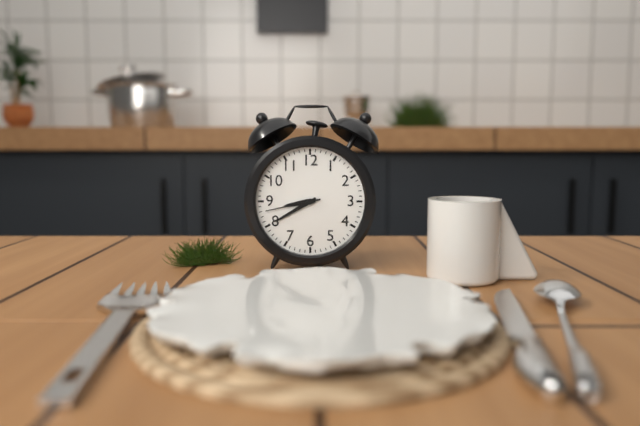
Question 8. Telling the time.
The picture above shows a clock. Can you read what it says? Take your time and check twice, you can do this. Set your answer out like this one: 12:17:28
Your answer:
8:40:43
